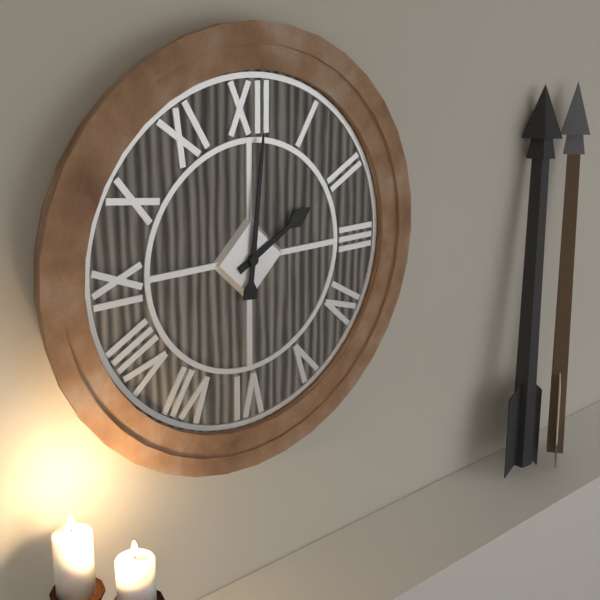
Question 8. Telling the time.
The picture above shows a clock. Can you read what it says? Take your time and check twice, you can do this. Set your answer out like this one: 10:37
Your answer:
2:01
